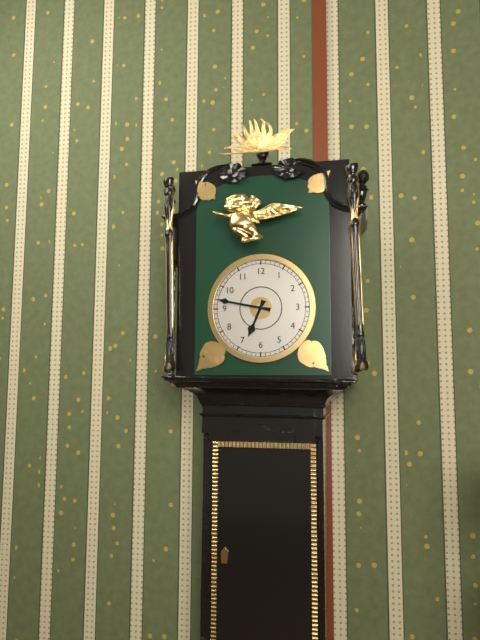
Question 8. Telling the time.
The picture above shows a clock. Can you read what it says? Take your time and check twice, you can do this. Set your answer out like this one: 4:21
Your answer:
6:47
